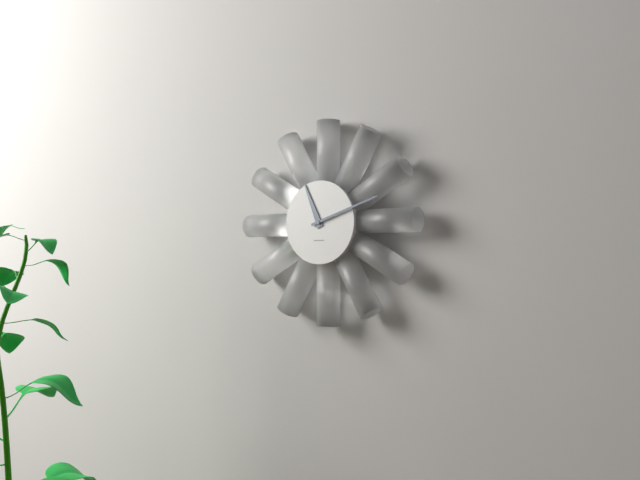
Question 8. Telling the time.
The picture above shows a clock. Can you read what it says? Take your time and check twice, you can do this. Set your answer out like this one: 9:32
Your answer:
11:12
